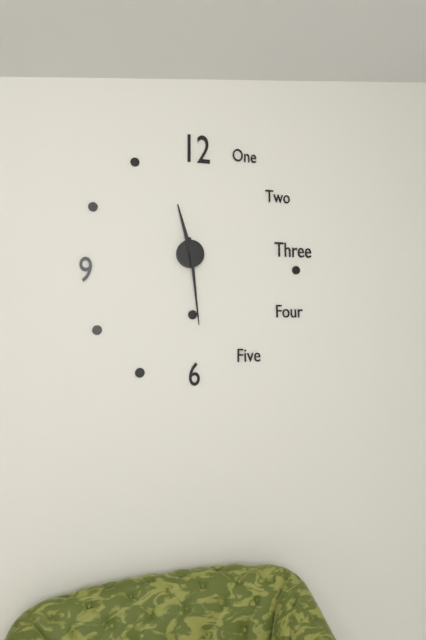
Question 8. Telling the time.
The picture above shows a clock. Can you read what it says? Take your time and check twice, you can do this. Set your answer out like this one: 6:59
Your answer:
11:29
